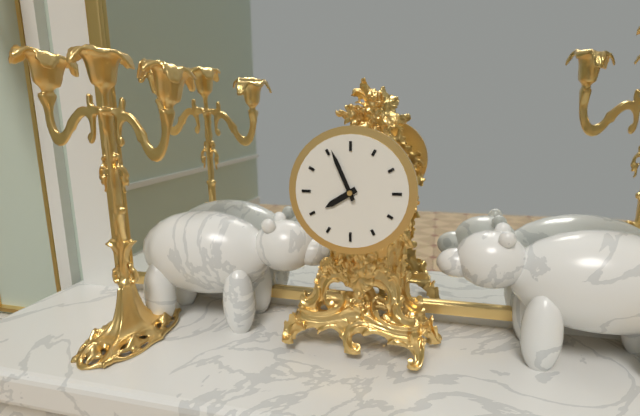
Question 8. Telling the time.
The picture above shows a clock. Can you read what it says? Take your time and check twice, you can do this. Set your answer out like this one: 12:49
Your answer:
7:56
